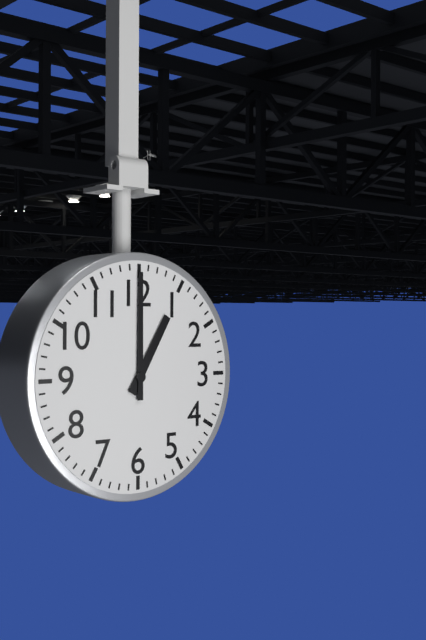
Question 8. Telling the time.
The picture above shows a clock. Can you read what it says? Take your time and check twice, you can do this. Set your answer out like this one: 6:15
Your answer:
1:00
